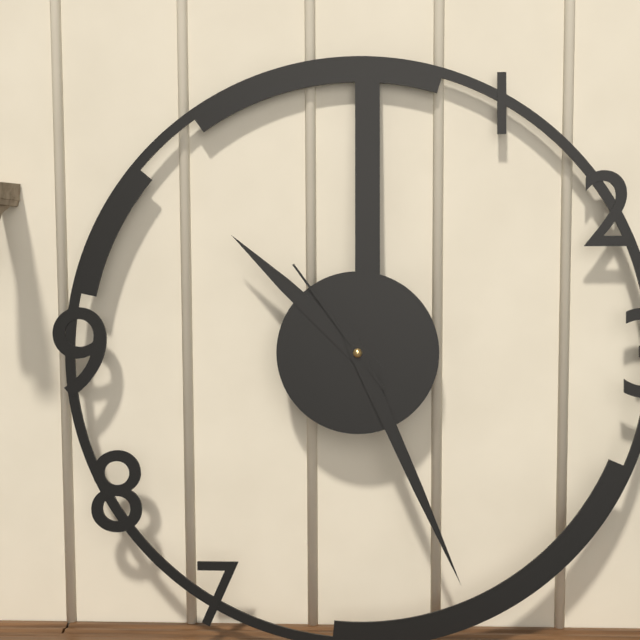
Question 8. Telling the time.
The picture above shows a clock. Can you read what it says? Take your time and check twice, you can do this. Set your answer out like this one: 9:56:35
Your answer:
10:26:54
